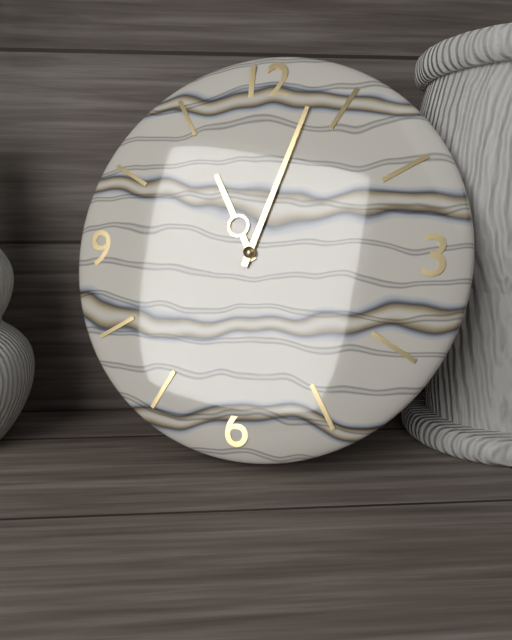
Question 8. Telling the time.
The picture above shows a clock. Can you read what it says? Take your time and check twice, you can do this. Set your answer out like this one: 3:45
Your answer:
11:03
